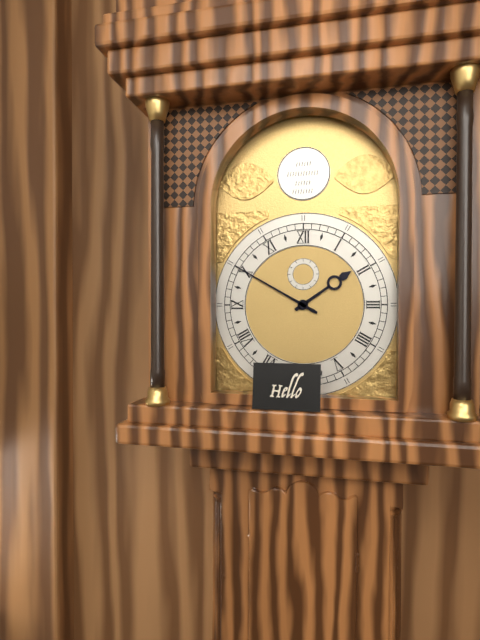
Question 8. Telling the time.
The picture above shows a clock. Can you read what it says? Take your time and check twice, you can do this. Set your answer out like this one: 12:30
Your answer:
1:50
